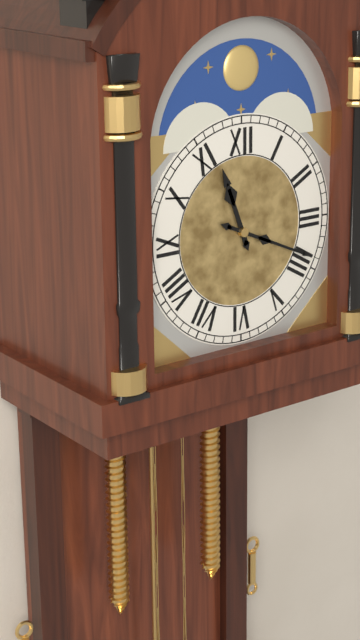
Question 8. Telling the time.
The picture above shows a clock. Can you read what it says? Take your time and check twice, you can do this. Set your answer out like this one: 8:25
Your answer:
11:19
